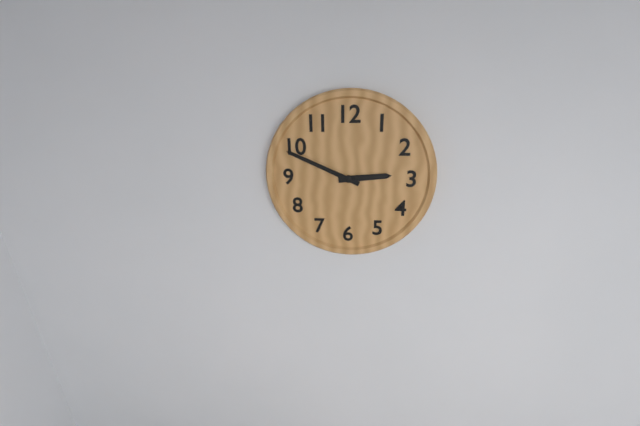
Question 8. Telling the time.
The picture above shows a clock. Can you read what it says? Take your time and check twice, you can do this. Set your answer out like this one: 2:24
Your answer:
2:49
